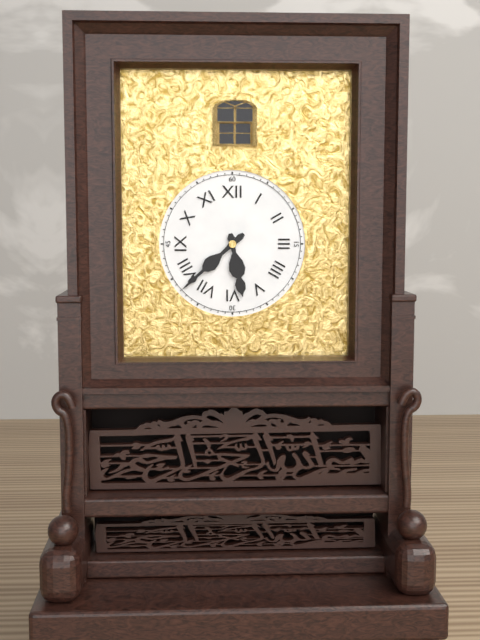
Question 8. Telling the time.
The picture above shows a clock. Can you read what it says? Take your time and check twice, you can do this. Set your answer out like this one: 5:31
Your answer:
5:38
